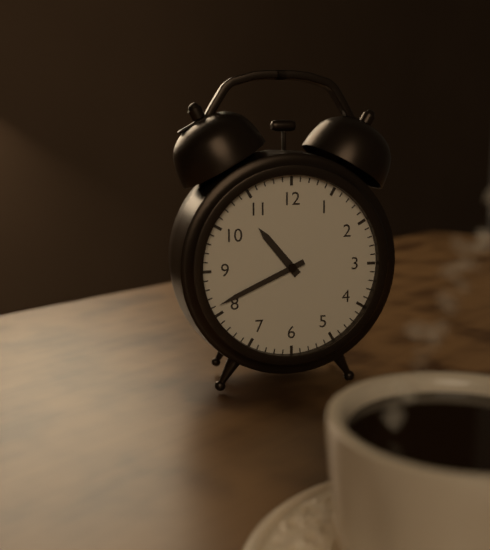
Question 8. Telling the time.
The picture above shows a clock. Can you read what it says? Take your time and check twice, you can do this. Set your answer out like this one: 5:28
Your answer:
10:41
